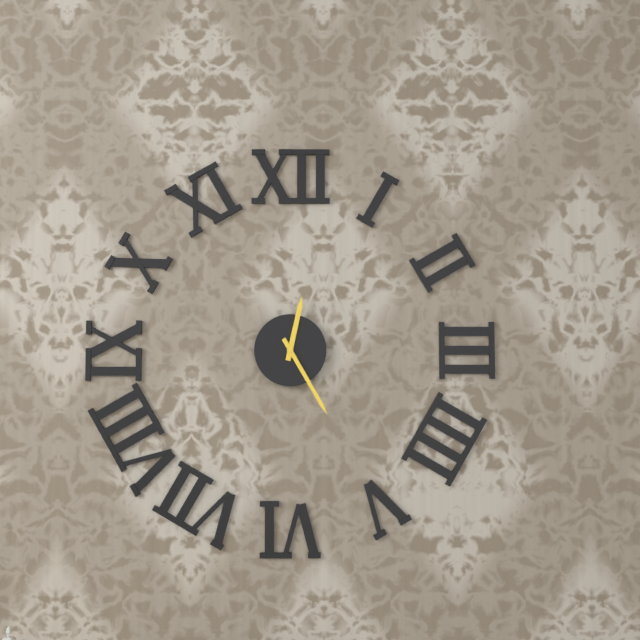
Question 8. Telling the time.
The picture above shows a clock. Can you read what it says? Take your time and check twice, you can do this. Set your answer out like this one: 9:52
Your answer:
12:25
